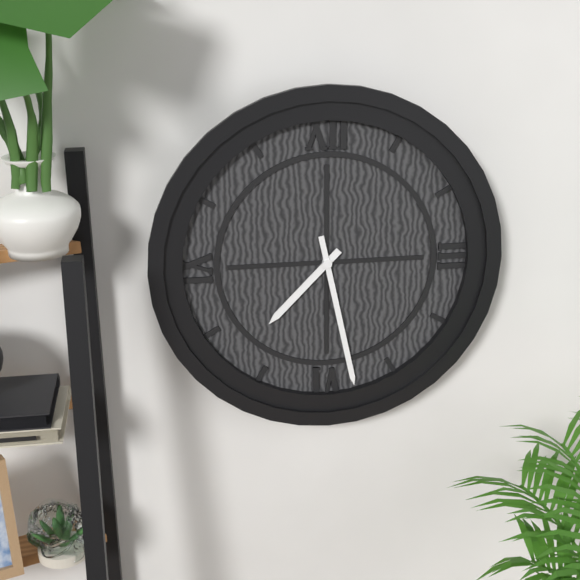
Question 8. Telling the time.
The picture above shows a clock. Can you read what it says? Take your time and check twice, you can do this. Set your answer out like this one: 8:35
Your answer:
7:28
